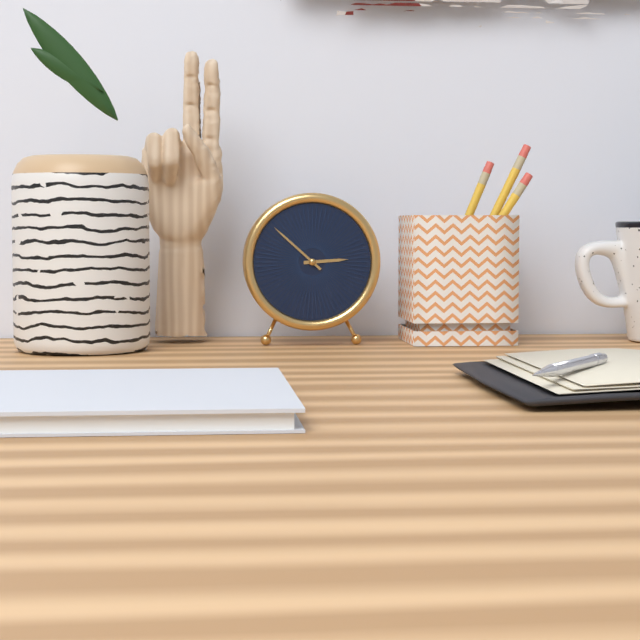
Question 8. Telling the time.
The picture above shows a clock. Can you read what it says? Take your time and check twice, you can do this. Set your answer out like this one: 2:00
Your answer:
2:52
